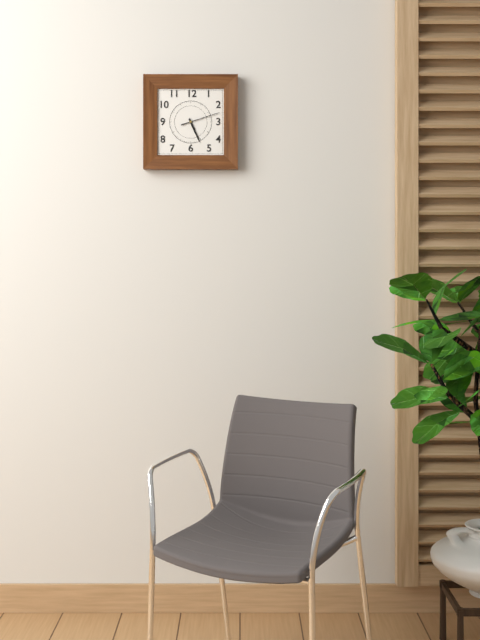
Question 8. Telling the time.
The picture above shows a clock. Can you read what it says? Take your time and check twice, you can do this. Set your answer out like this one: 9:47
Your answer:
5:12
